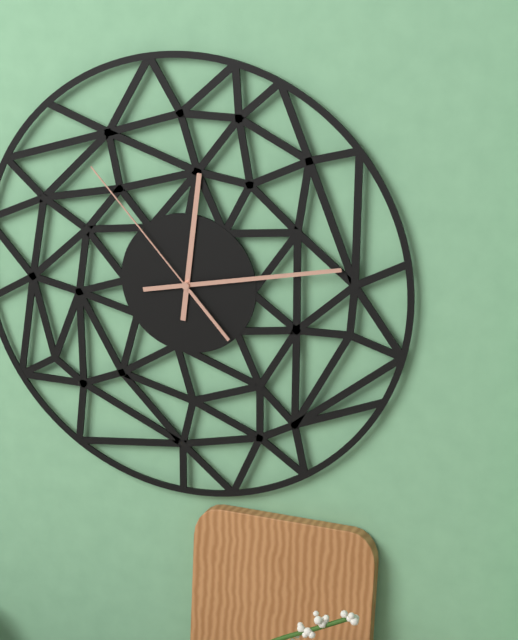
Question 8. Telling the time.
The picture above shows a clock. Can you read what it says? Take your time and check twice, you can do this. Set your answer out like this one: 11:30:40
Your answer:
12:13:53
